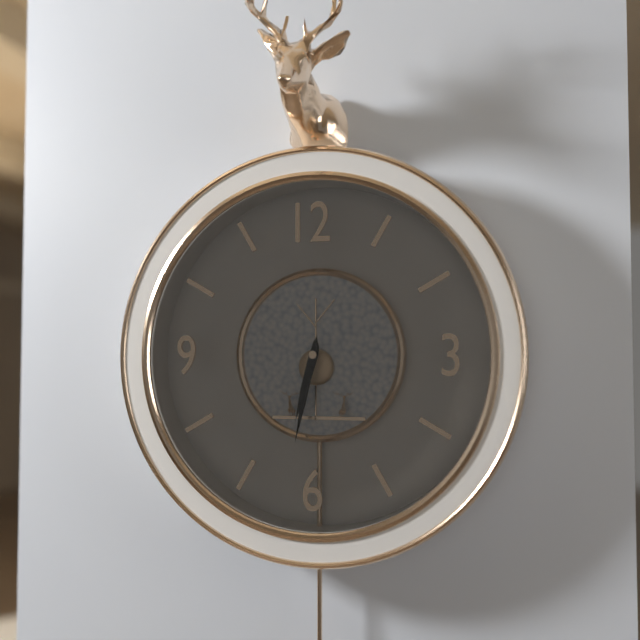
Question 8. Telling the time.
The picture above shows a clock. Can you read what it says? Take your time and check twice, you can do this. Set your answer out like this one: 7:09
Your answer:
6:32
